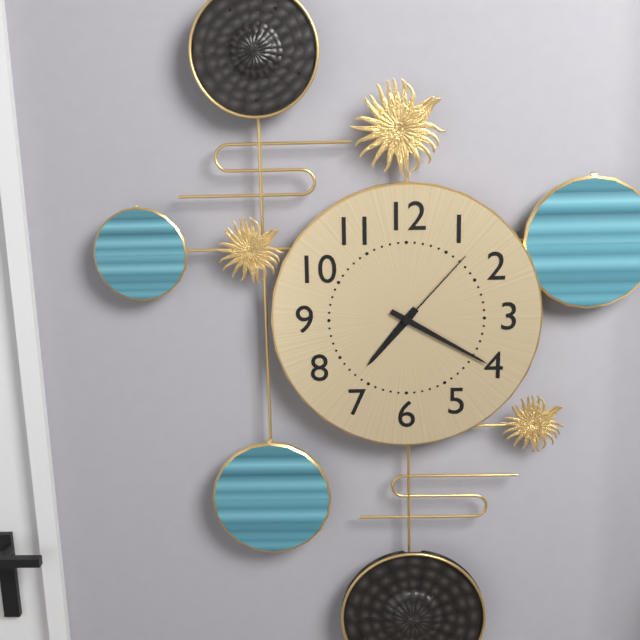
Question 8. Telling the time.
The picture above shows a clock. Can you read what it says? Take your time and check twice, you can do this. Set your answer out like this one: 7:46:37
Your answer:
7:20:07
